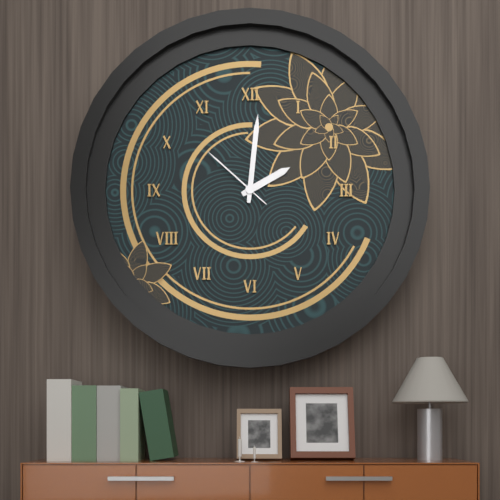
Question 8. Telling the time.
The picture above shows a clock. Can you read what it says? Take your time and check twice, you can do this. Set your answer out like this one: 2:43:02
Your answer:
2:01:52
